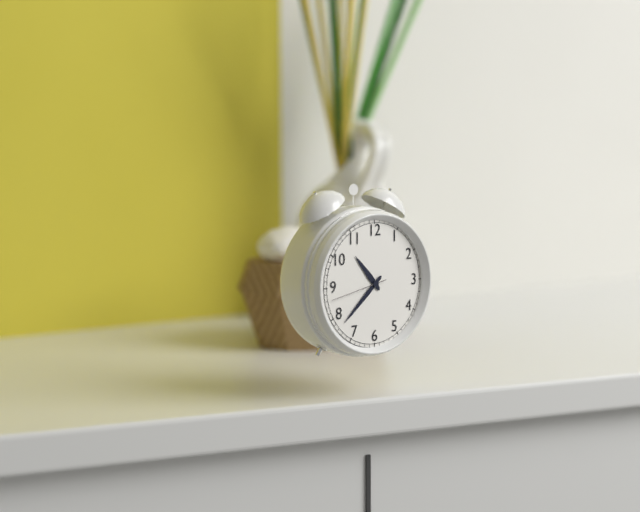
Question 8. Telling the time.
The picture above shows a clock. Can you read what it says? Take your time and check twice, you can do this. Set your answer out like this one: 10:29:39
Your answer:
10:38:43
